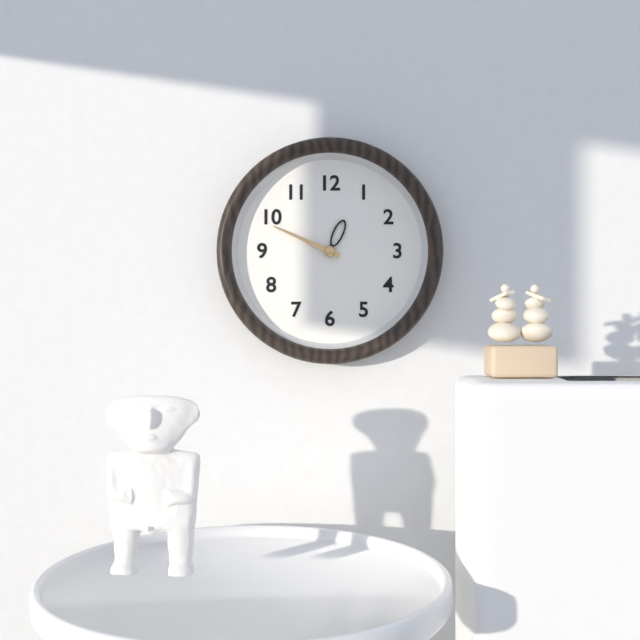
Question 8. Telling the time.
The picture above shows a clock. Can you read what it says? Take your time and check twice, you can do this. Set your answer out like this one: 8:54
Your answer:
12:49
